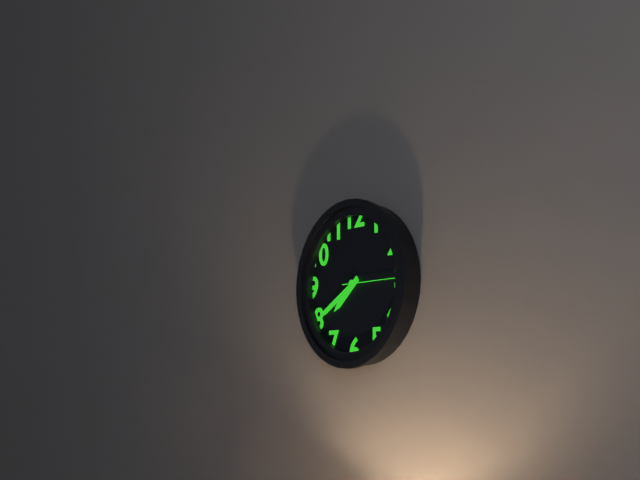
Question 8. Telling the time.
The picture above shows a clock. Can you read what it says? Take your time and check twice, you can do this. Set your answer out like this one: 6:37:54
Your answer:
7:40:15
